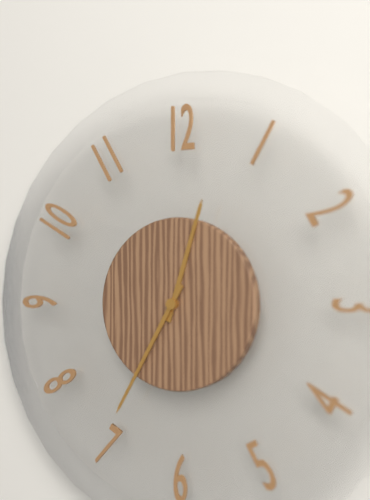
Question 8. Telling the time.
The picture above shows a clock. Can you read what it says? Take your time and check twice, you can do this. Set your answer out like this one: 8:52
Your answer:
12:35
